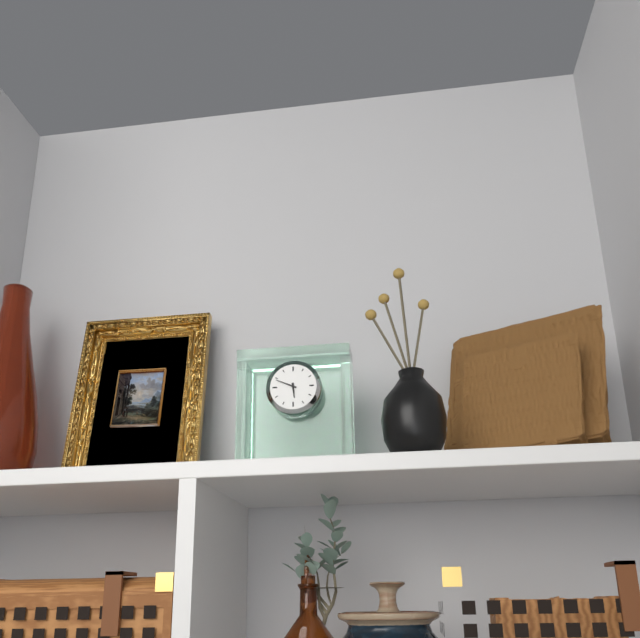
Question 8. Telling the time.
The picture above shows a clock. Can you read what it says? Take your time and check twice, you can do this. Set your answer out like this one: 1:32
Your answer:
5:49
